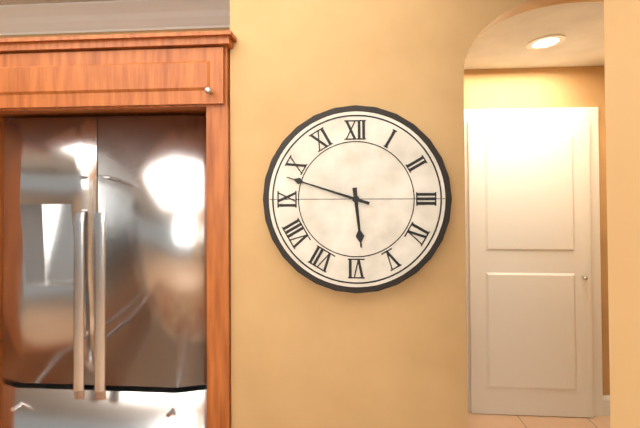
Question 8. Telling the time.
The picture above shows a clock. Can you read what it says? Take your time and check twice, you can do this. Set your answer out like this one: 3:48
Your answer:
5:48
